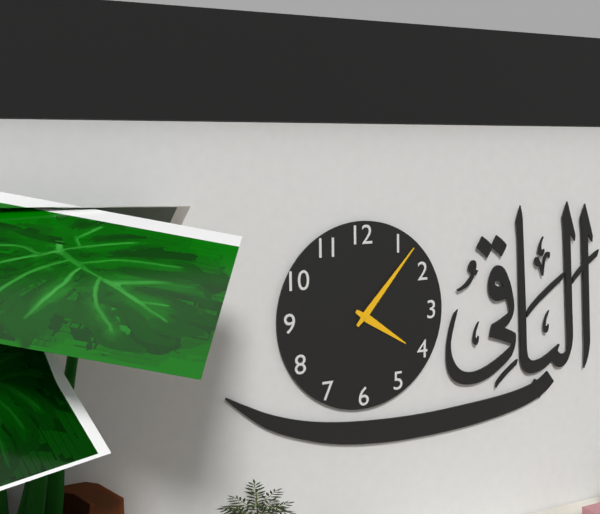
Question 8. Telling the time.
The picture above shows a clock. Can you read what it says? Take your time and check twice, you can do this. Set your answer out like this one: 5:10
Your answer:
4:07
